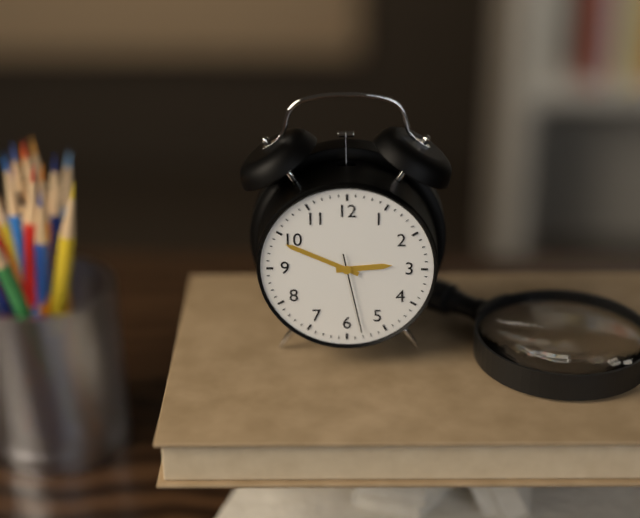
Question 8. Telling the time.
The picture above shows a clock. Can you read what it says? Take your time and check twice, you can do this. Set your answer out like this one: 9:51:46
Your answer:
2:49:28
